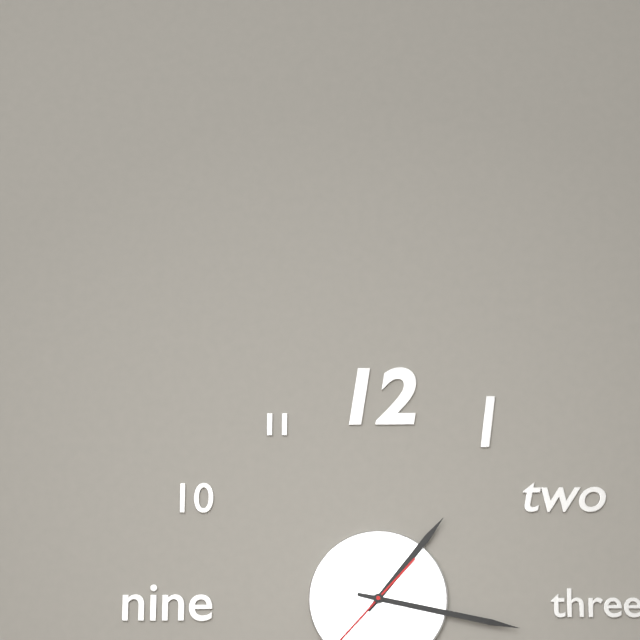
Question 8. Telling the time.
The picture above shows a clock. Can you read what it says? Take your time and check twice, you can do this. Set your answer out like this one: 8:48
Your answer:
1:17
